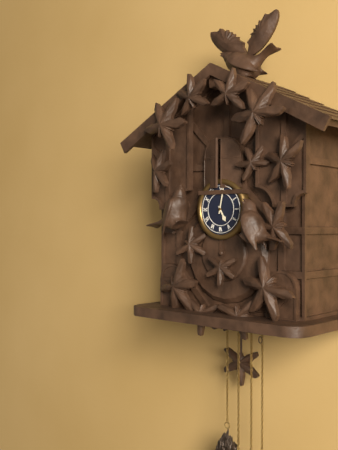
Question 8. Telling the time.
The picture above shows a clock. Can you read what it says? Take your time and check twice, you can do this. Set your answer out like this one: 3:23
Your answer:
5:02
